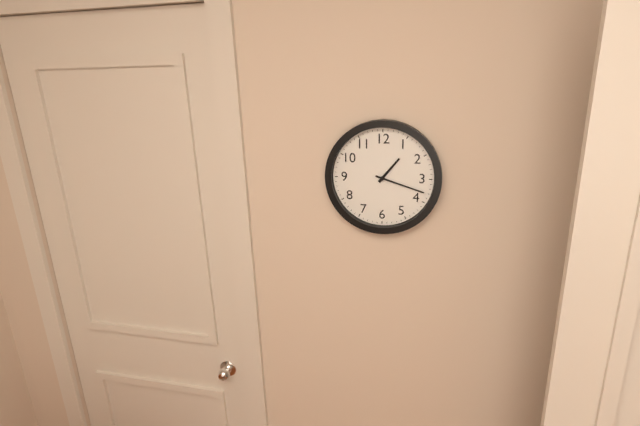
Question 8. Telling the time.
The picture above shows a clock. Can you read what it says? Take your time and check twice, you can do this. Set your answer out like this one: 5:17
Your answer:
1:18
